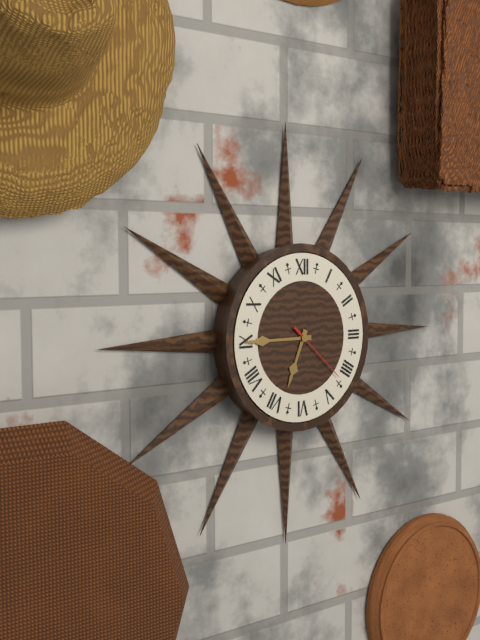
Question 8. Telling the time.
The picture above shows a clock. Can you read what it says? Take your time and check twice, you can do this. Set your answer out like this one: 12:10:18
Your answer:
6:45:22
